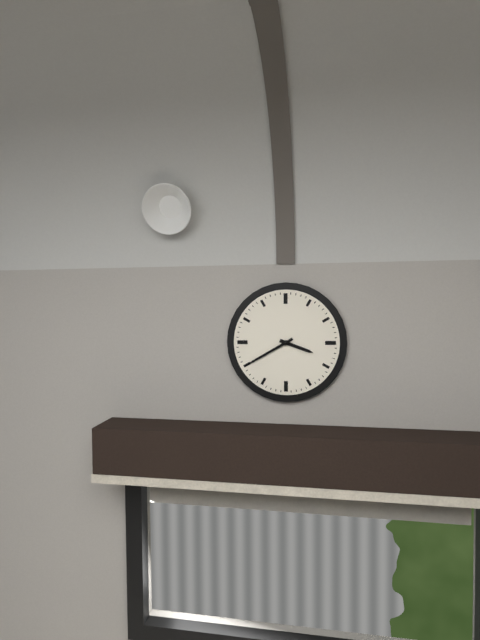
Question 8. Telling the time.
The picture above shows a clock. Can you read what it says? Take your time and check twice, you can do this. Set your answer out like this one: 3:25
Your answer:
3:40
